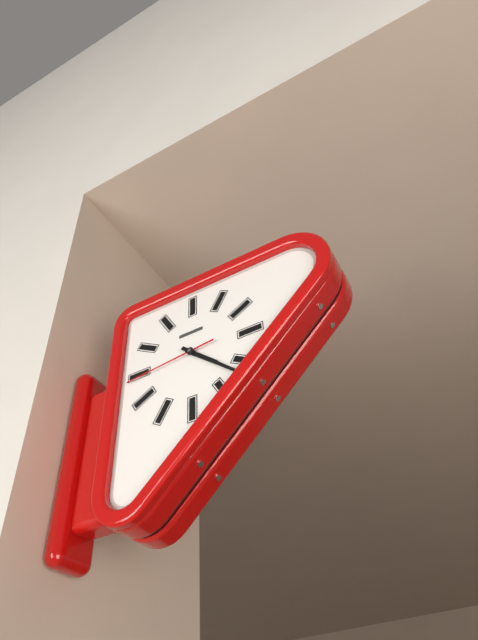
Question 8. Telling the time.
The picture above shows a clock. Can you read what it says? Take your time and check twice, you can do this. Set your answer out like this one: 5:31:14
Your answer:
4:22:44
